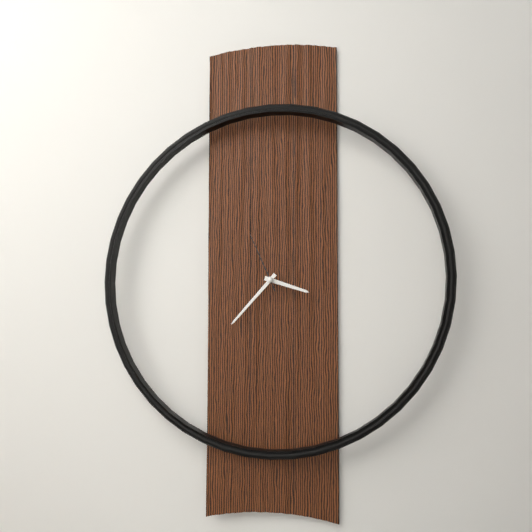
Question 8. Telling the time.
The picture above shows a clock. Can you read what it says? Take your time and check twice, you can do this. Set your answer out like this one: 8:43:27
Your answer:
3:37:56
